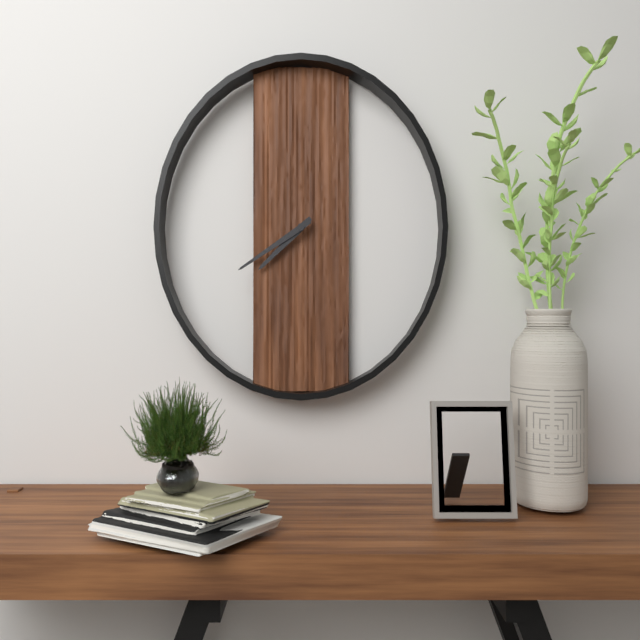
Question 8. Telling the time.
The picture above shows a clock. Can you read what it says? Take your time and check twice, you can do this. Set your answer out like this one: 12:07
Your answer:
7:40
